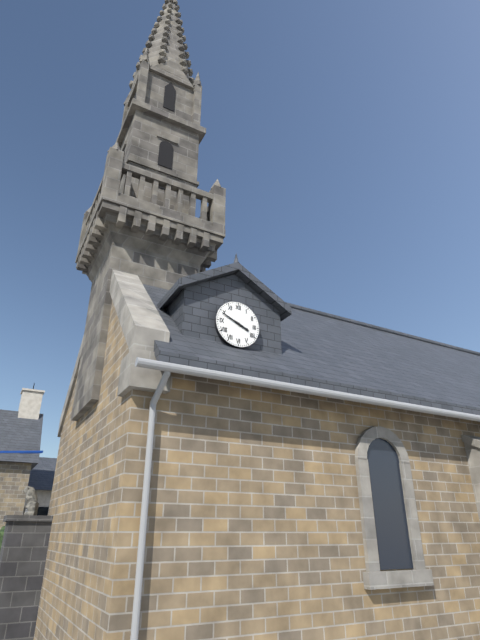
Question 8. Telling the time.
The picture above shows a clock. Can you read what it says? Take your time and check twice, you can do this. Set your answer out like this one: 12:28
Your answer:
3:49
